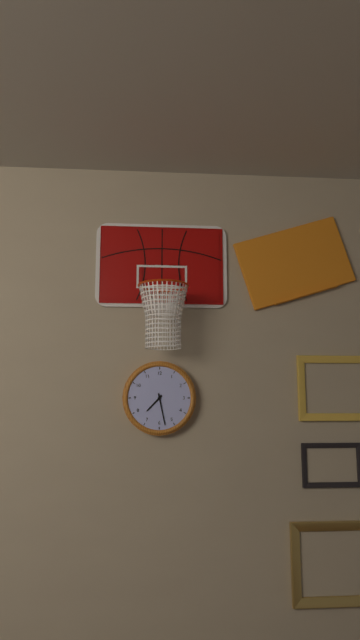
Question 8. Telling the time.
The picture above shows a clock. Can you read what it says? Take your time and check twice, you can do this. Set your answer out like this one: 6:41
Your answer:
7:28
